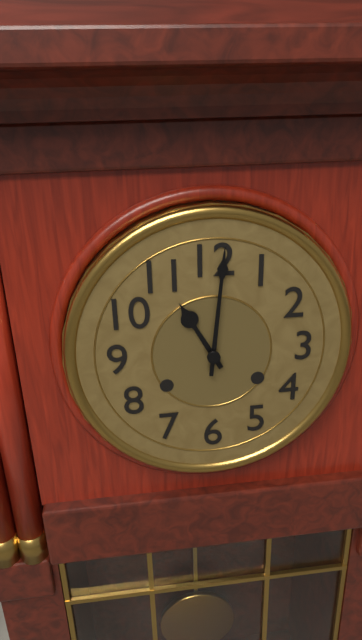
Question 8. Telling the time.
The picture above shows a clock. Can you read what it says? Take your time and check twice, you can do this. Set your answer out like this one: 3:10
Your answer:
11:01
